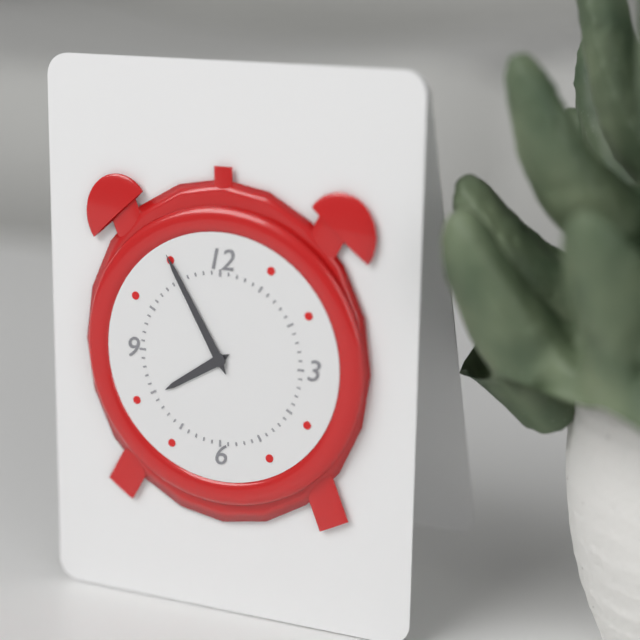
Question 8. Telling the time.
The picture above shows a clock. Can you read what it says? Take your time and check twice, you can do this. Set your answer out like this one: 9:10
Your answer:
7:55
